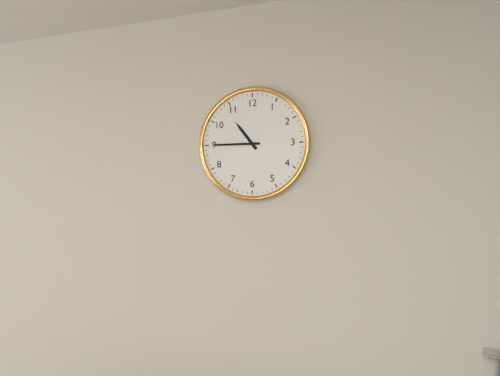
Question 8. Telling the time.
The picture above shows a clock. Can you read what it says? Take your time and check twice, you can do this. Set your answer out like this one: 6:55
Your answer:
10:45
